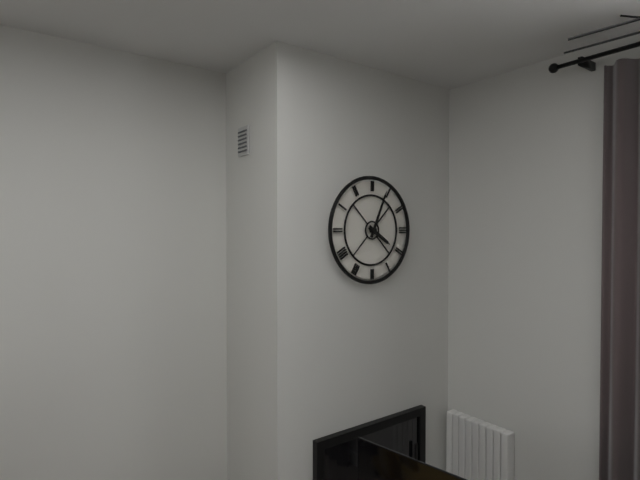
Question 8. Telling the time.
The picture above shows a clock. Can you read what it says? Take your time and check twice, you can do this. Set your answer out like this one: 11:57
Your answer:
4:04
